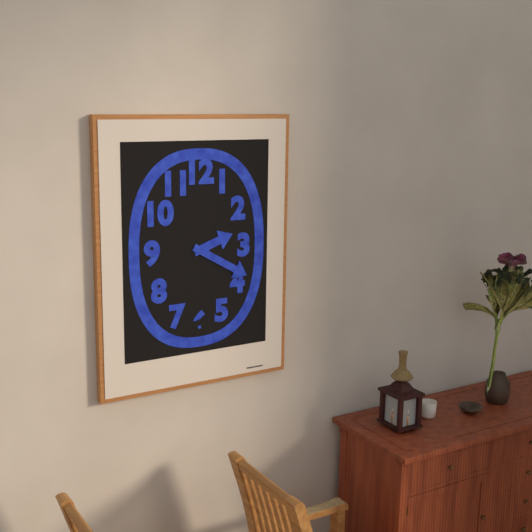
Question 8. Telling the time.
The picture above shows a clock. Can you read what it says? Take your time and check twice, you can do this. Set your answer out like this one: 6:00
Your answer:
2:20
